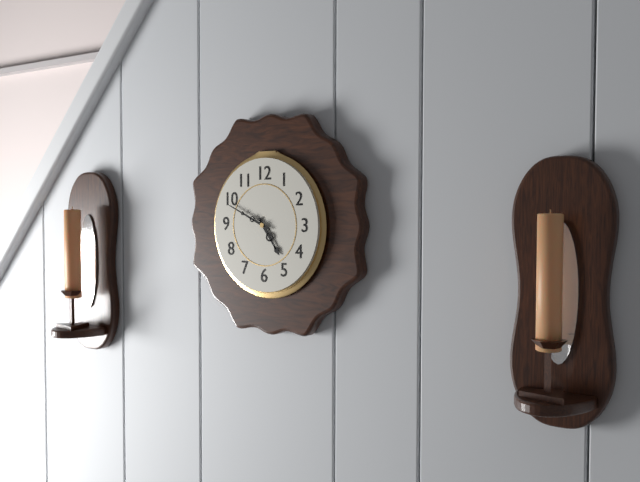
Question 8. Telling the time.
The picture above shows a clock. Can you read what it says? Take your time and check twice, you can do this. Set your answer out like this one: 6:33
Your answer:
4:49
